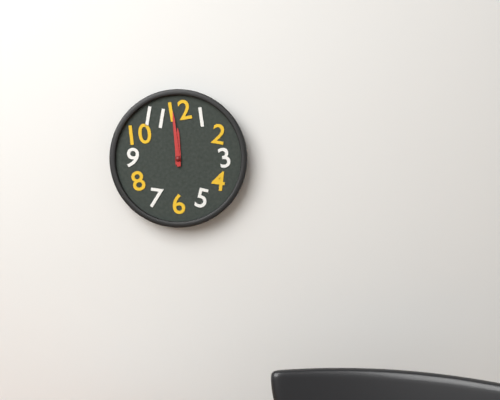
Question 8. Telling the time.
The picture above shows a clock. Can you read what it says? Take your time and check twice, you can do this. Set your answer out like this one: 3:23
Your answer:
11:59
